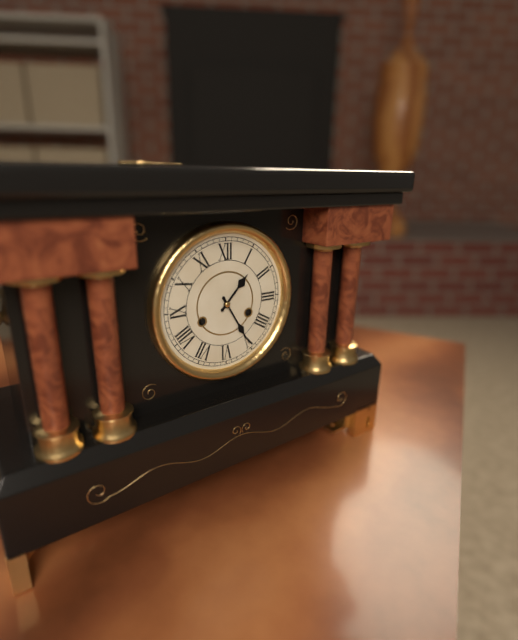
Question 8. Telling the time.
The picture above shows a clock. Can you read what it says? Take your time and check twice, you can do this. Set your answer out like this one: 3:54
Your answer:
1:25
